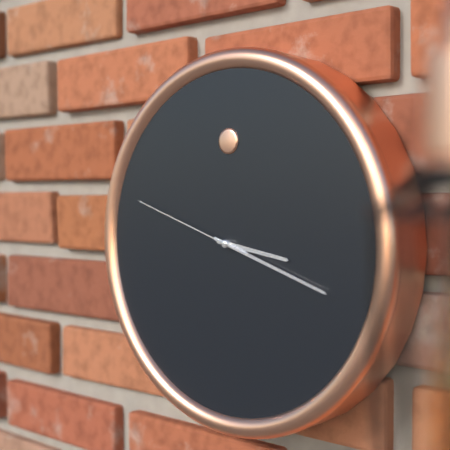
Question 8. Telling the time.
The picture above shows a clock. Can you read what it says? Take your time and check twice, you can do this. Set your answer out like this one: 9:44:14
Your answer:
3:18:48
